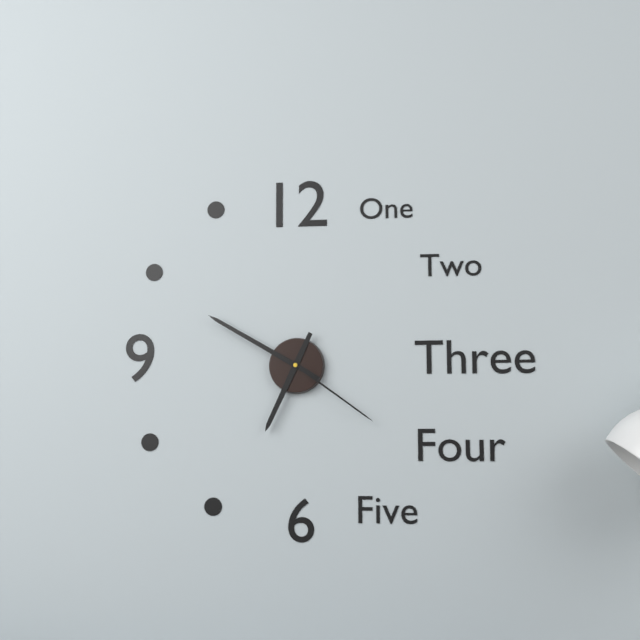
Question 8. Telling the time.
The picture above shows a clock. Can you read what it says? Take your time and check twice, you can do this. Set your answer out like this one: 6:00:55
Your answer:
6:50:21
